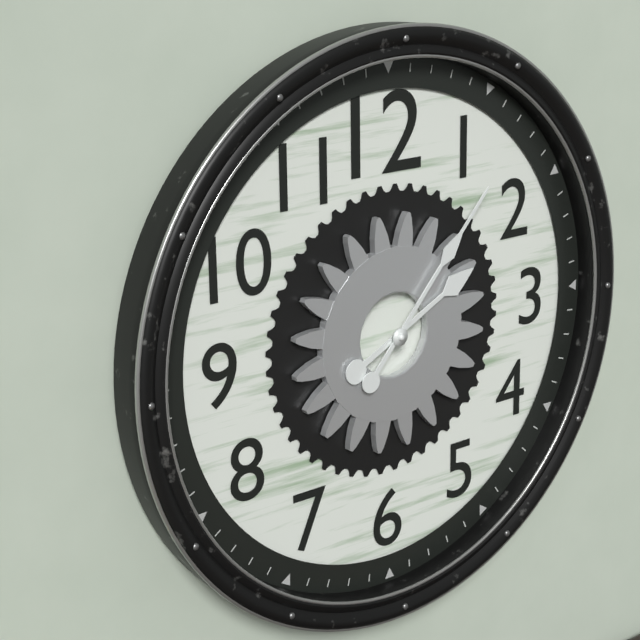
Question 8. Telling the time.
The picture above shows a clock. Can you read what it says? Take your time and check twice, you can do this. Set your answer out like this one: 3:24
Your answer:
2:07
